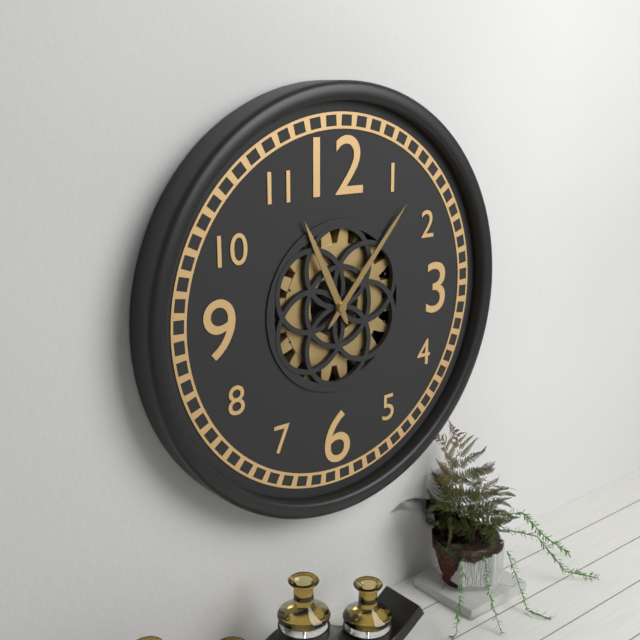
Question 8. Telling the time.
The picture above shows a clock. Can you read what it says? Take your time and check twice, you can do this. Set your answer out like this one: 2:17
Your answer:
11:07
